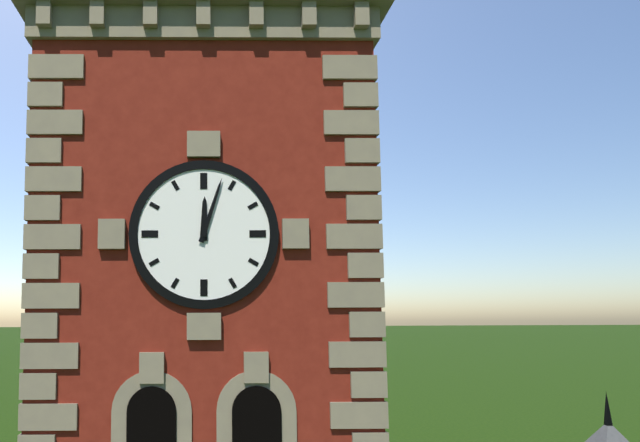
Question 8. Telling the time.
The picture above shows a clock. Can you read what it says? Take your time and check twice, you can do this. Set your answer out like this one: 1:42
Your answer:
12:03
